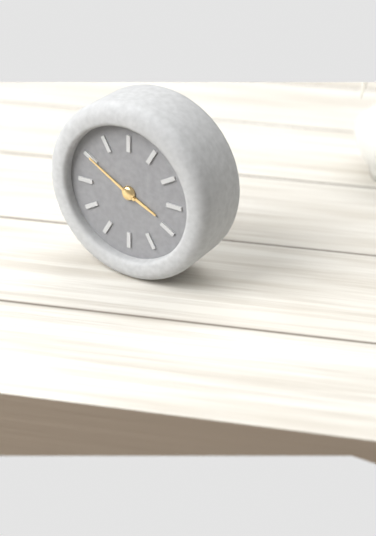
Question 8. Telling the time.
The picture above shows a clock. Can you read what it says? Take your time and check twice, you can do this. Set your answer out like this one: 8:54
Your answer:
3:50
